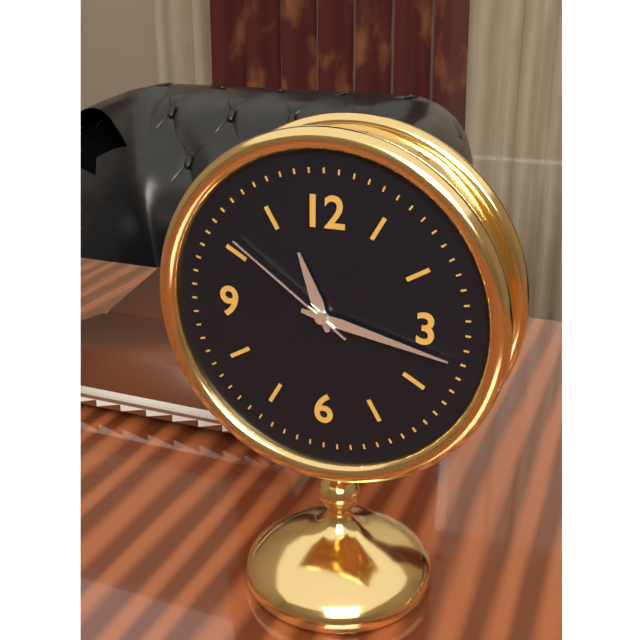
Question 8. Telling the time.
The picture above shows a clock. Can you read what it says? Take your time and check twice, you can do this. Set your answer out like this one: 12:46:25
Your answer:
11:17:51
